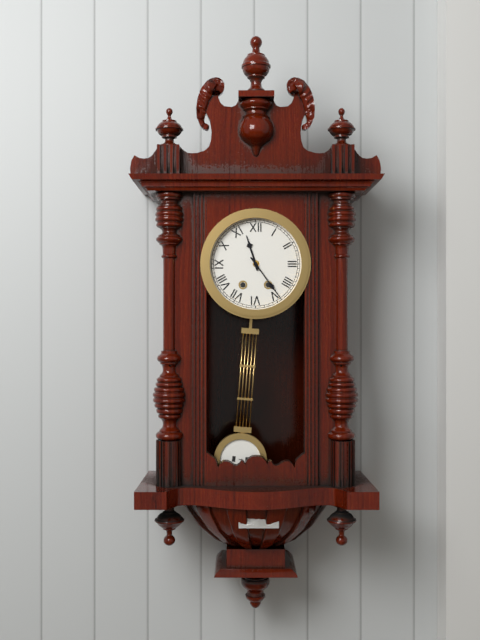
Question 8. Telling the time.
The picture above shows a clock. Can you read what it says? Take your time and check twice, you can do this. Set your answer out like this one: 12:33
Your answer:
11:24
